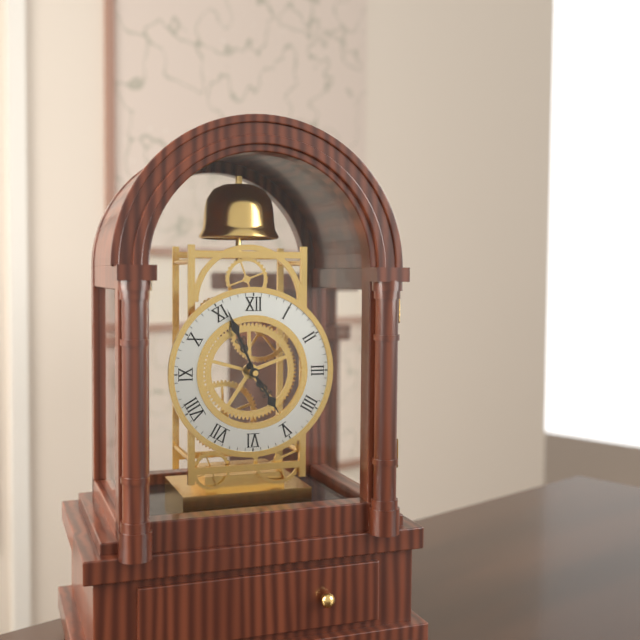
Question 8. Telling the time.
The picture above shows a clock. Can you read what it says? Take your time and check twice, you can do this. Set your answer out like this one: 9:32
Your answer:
4:56
